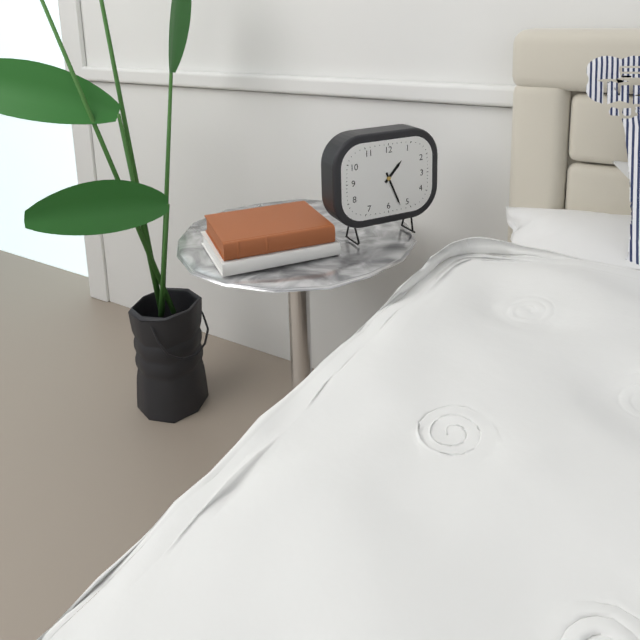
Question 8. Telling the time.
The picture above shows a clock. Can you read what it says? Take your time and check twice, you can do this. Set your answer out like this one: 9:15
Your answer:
1:26
